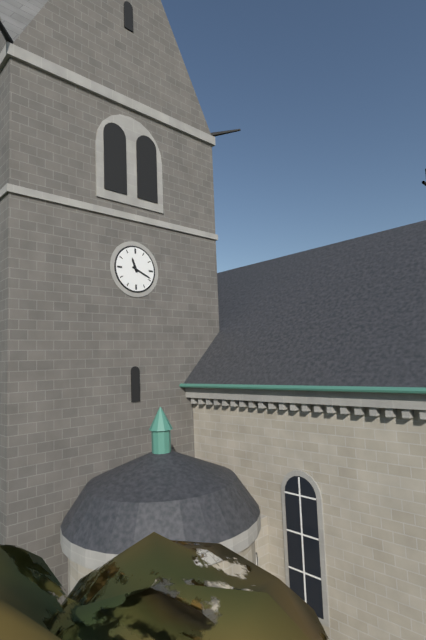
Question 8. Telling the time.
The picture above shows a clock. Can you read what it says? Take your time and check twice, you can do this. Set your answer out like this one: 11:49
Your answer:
11:19
